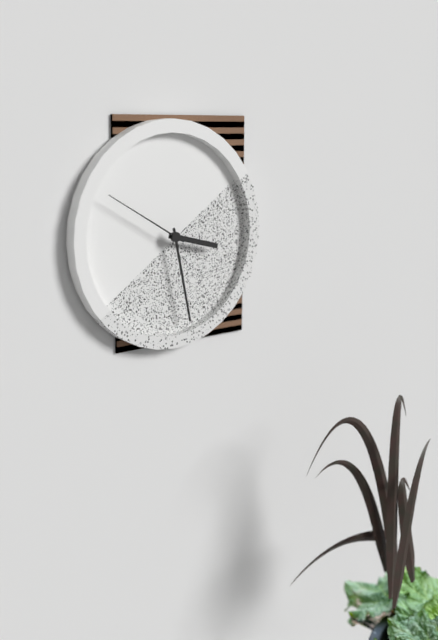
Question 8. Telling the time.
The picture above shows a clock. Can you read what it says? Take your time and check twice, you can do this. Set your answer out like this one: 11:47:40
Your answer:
3:28:50
